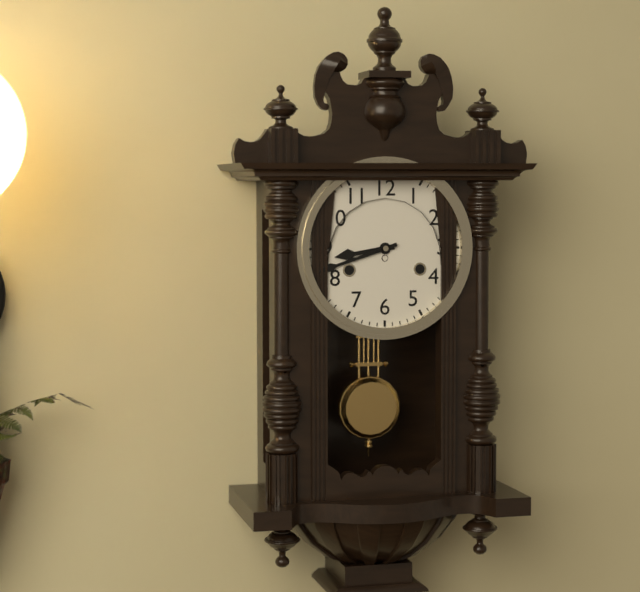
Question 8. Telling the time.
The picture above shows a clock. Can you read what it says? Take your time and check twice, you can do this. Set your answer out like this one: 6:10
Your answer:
8:42
